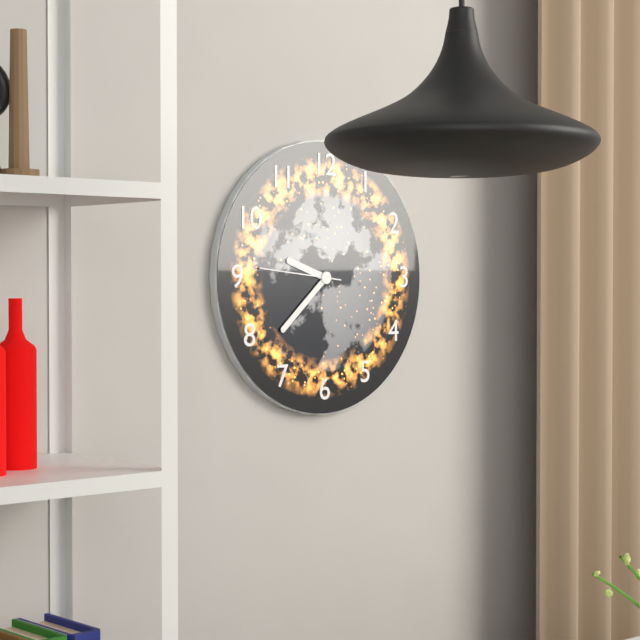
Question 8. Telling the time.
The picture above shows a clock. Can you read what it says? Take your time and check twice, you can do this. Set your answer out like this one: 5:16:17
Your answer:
9:38:46
